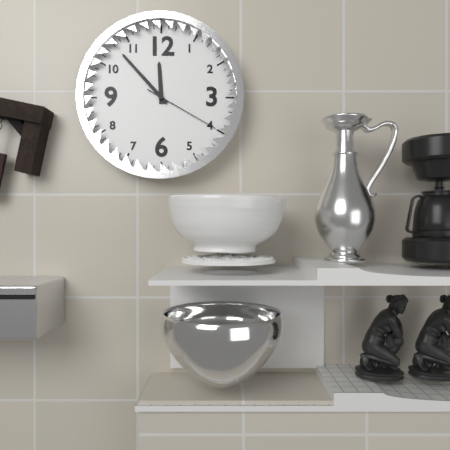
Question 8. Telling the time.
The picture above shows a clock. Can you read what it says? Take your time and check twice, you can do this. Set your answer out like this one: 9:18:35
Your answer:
11:53:20
